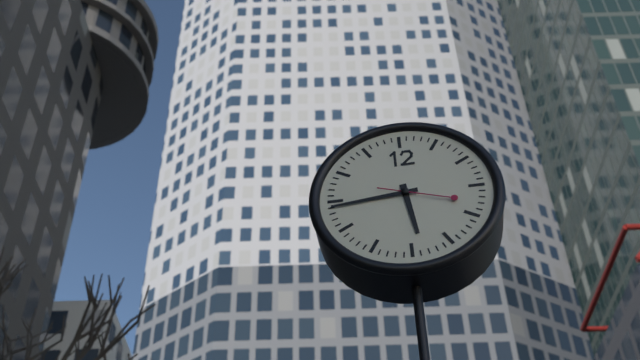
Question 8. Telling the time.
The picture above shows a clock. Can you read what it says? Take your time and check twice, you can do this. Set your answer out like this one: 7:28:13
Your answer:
5:44:18
